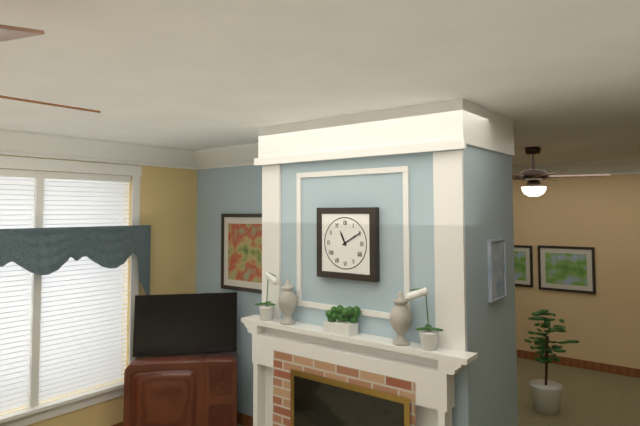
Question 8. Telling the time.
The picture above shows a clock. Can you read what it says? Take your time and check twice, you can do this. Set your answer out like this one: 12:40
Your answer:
11:10
